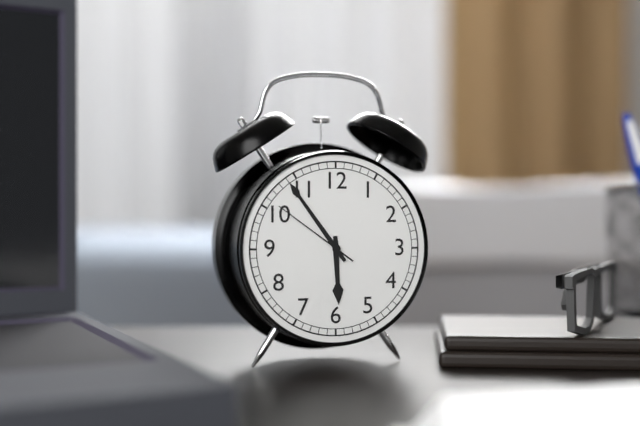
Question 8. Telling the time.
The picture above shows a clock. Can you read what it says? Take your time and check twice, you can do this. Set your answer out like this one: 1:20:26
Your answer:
5:54:51
